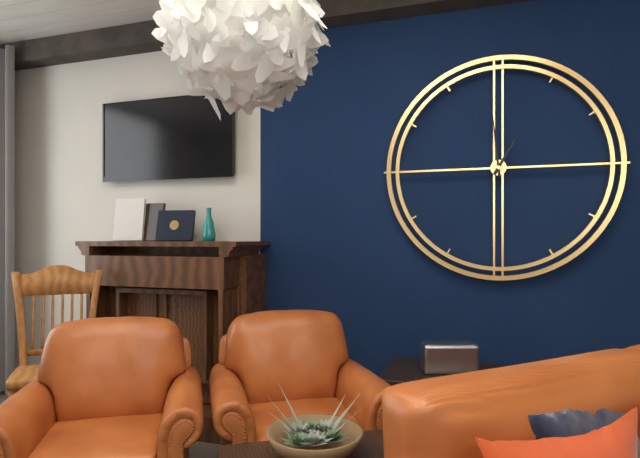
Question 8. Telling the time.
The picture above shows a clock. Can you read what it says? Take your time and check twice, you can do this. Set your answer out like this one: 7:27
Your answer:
12:59
